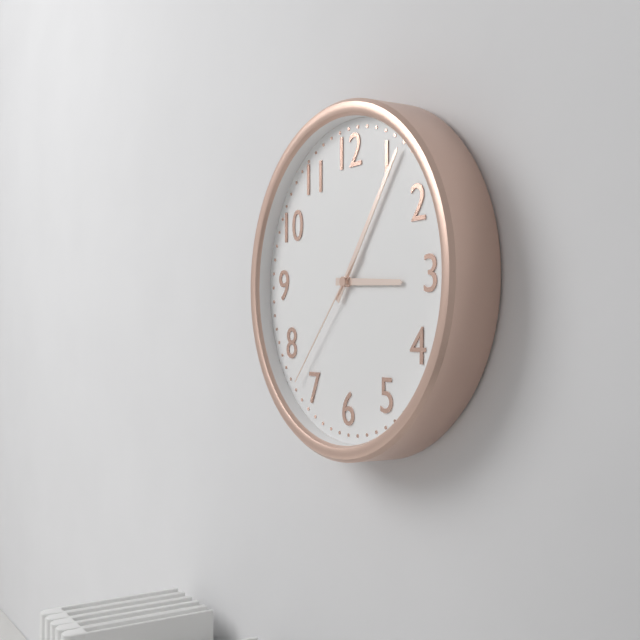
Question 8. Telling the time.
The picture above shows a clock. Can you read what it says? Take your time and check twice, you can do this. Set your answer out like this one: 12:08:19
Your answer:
3:06:37
